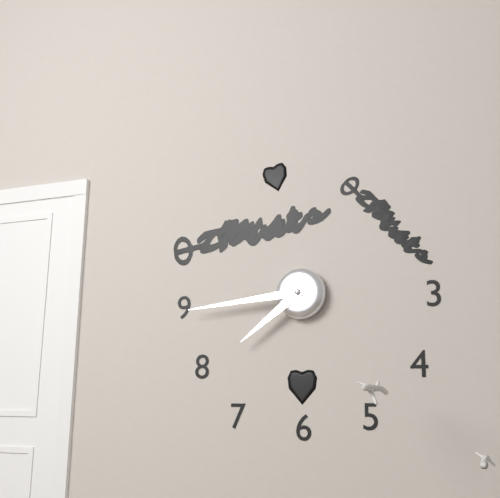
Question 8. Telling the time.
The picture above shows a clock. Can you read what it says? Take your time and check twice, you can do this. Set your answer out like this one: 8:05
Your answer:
7:44
